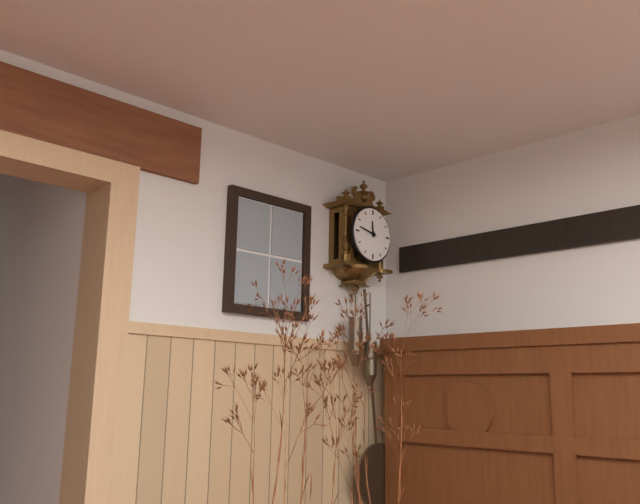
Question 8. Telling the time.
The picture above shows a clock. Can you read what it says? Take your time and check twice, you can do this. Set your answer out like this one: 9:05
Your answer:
11:47
